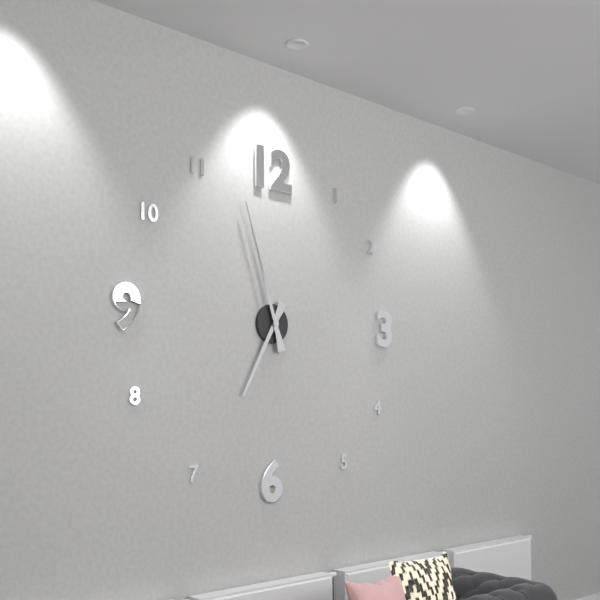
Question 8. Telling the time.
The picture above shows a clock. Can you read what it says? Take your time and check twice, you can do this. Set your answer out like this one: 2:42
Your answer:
6:57
